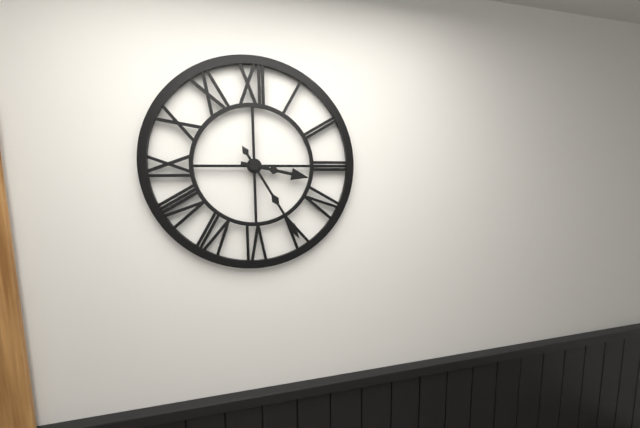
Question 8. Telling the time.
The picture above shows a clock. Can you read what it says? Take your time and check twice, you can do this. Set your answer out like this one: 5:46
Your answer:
3:25
